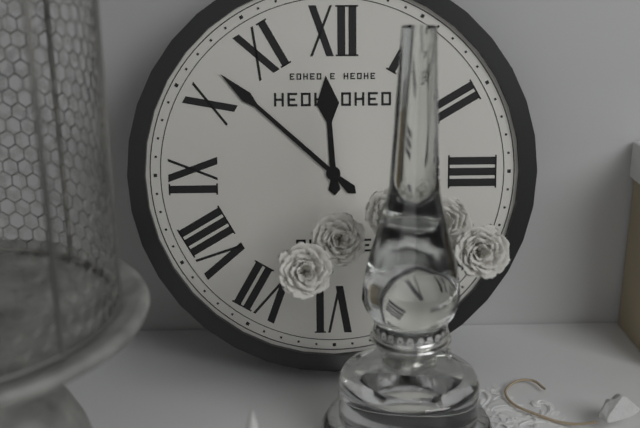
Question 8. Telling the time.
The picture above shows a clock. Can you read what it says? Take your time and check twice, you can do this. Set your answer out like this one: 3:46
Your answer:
11:52
